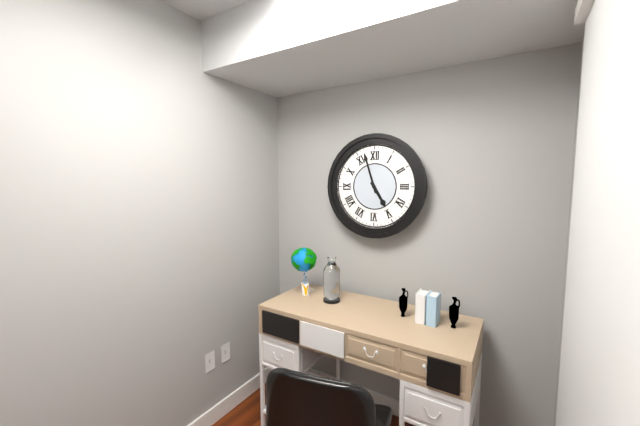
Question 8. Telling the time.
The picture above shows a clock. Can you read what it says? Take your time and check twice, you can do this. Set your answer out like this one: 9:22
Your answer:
4:57
